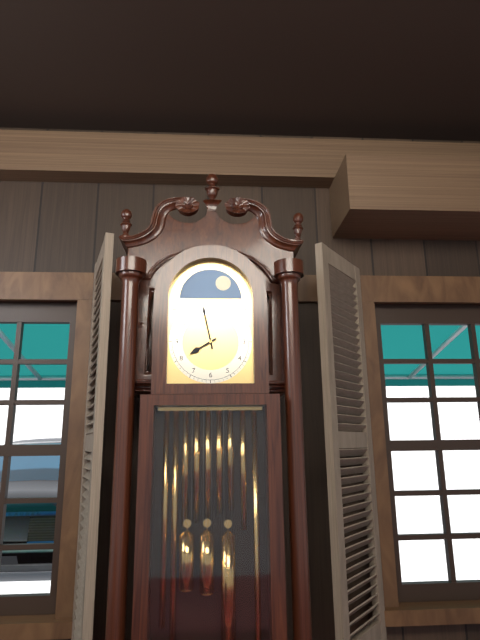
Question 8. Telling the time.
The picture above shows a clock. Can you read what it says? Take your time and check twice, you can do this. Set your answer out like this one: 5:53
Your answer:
7:58
